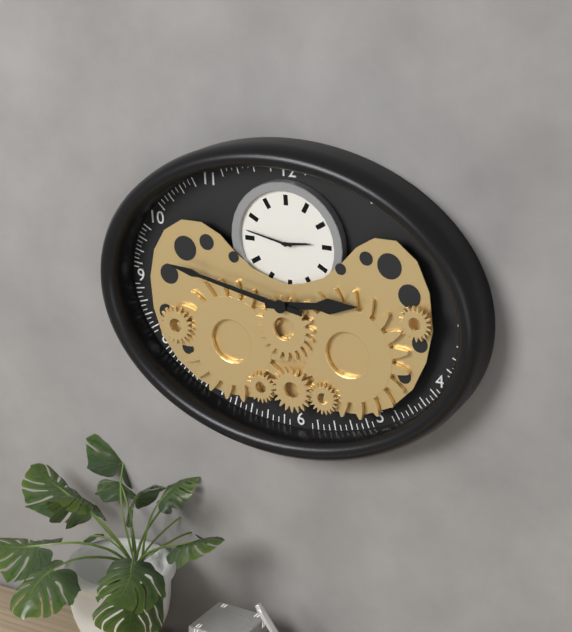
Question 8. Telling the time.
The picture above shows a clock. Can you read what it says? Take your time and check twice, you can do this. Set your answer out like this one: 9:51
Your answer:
2:47
